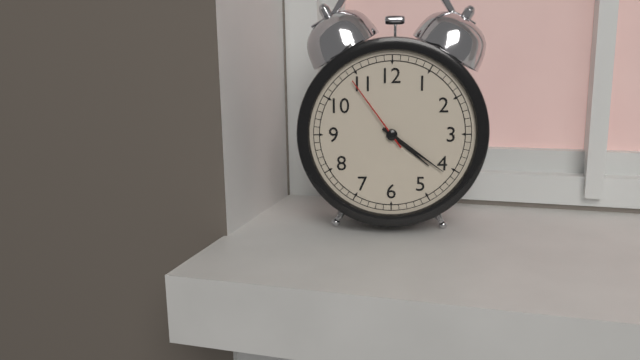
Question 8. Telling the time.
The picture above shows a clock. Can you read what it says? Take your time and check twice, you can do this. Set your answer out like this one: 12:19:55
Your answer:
4:21:54
